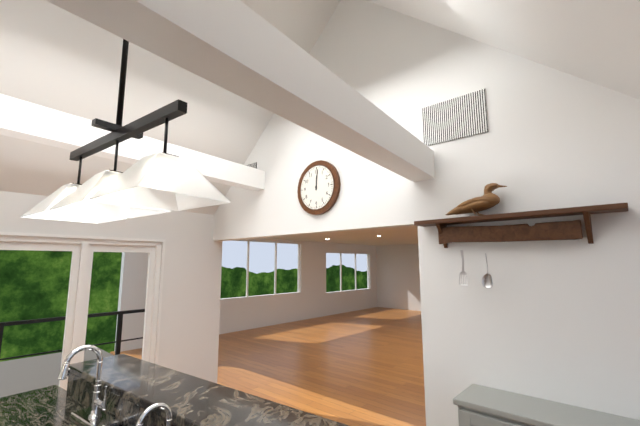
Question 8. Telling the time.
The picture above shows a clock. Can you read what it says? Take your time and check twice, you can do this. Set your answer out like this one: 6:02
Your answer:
12:01
